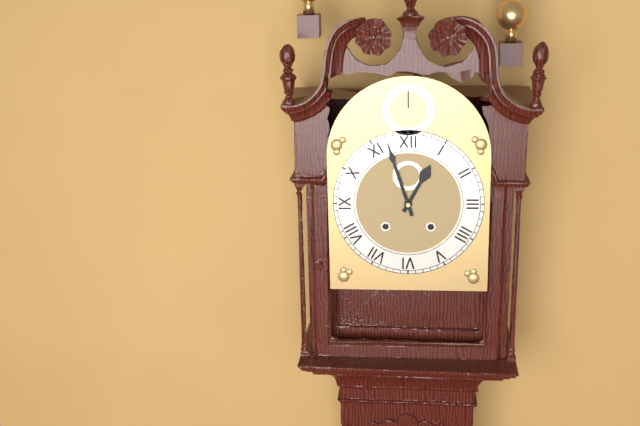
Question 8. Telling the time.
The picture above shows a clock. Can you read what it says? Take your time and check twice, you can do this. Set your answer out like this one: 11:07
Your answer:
12:57
